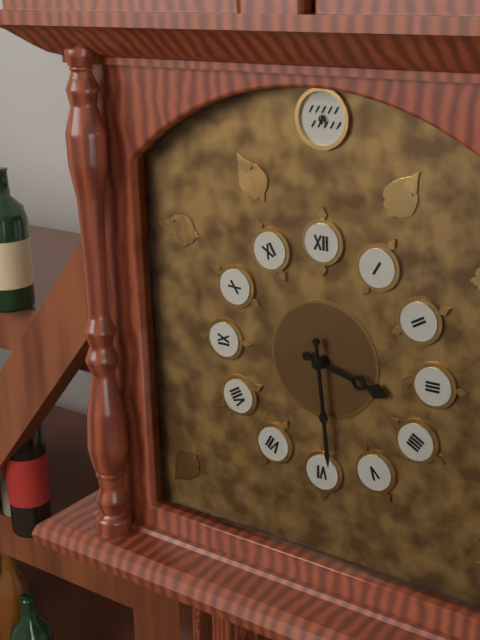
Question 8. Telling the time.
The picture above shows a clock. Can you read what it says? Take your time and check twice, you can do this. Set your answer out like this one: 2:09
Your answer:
3:29
